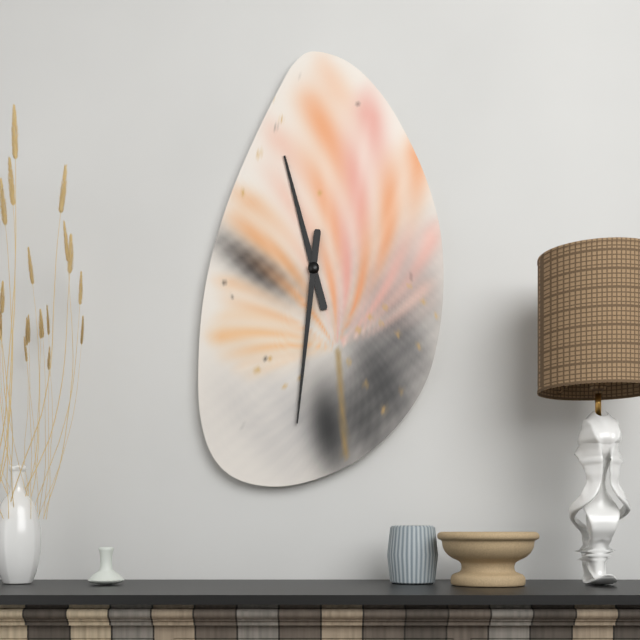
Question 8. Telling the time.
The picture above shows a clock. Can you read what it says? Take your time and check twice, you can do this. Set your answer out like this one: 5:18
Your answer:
11:31
